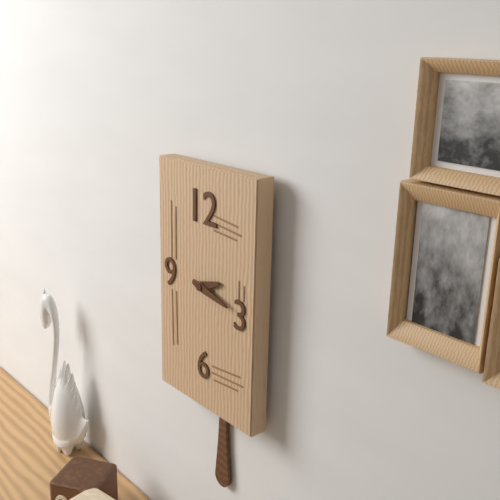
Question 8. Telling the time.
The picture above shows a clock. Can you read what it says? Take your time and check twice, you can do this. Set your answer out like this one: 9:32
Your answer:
2:17
